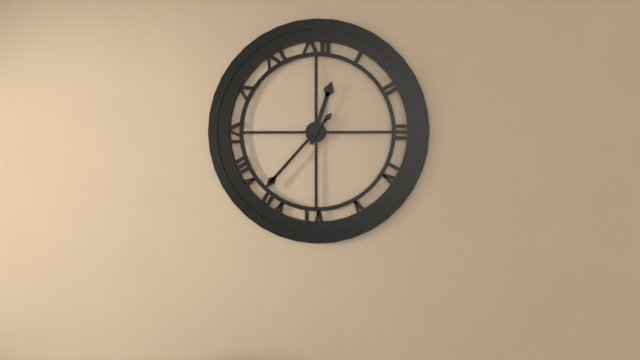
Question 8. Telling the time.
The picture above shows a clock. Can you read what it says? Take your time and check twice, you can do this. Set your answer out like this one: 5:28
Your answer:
12:37
